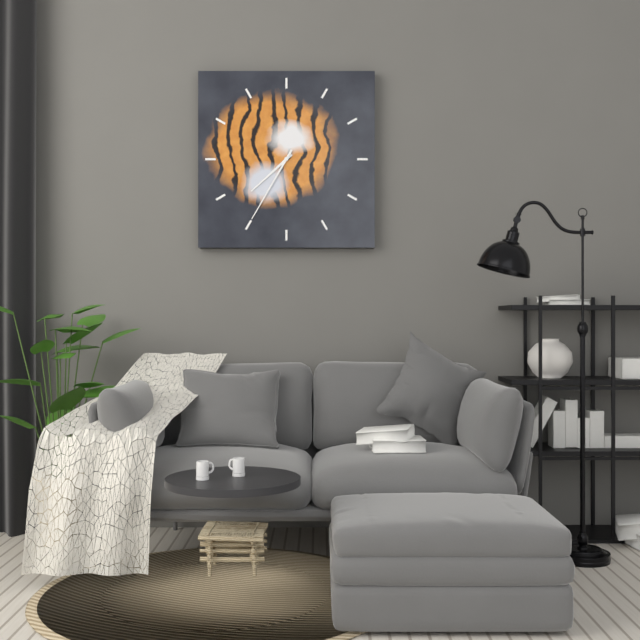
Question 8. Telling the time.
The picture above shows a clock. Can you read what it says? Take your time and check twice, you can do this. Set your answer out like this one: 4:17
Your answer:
7:35
